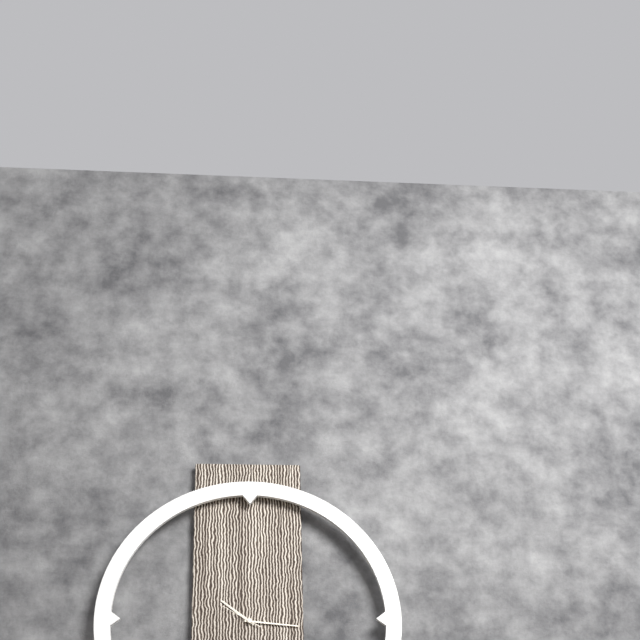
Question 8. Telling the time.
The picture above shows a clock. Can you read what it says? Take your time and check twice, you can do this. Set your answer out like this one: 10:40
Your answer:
10:16
